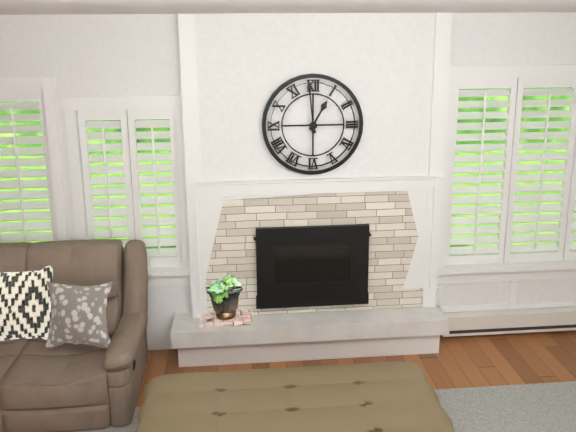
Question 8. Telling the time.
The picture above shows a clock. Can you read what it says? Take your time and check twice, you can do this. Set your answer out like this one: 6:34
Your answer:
12:59
